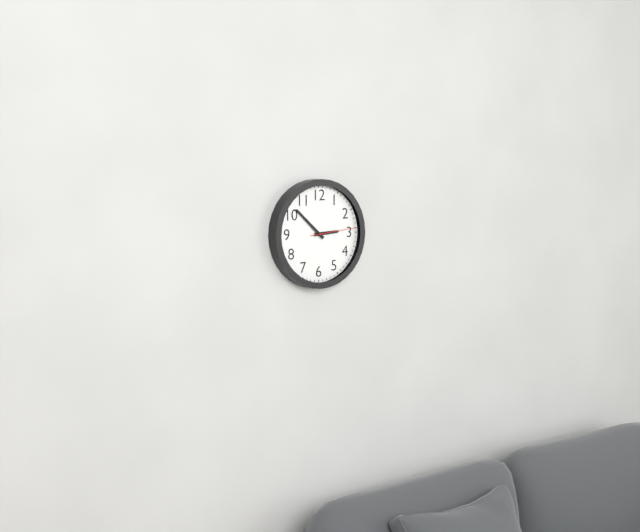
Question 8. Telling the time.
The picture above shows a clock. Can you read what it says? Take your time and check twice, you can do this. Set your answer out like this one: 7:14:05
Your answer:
2:52:14
